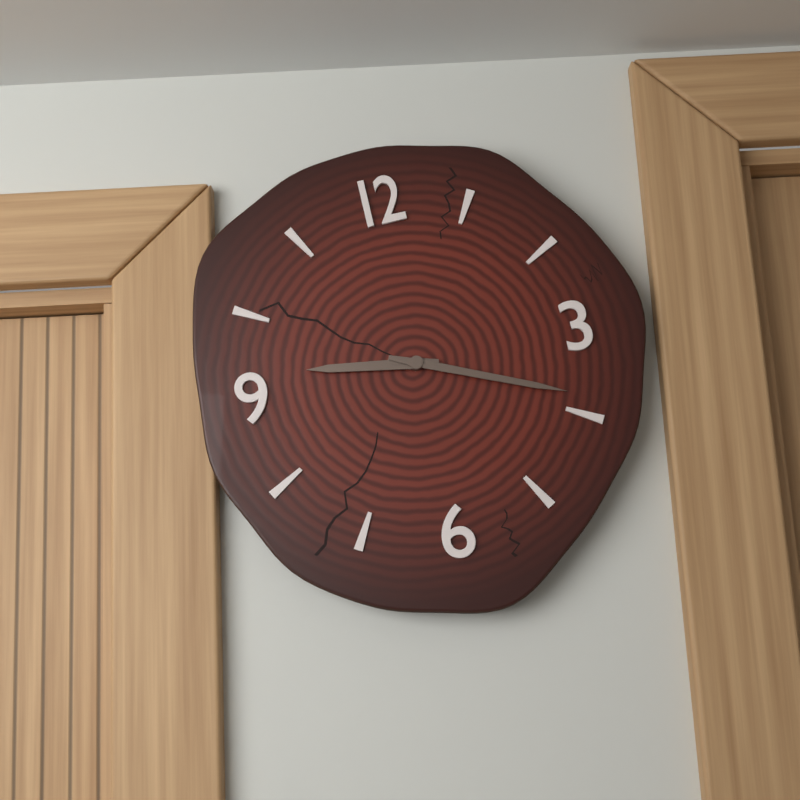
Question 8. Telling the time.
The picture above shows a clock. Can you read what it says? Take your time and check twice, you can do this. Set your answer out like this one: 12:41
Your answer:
9:19
